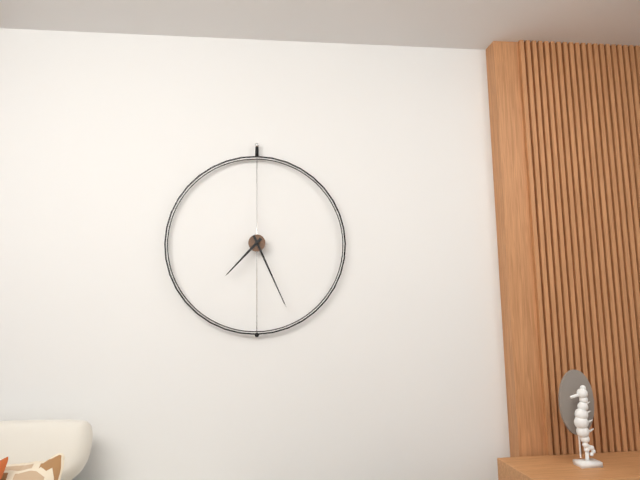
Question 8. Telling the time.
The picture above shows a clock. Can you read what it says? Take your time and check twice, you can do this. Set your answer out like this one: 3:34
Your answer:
7:26
